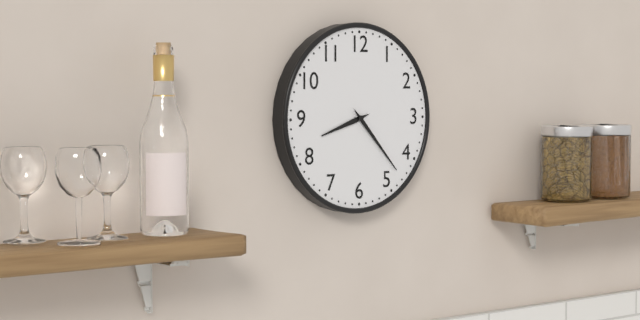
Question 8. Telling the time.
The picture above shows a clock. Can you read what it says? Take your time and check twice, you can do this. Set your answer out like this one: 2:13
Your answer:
8:23
